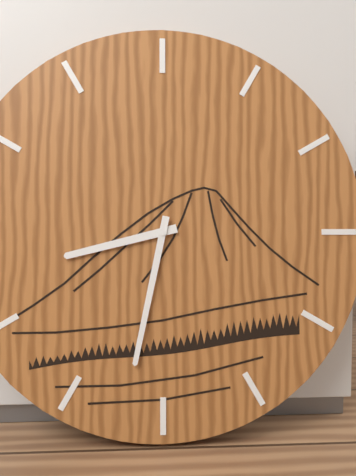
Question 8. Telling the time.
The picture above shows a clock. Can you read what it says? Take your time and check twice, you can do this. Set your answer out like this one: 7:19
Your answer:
8:32
